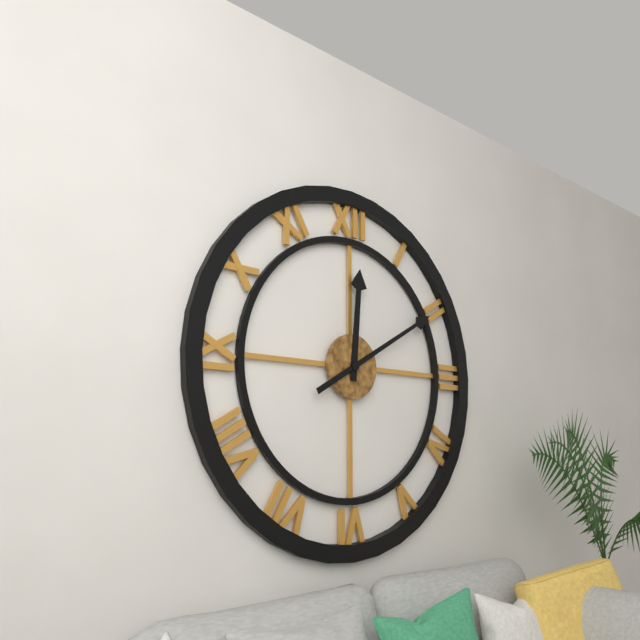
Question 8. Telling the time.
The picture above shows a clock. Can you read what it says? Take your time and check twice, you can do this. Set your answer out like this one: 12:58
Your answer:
12:10
